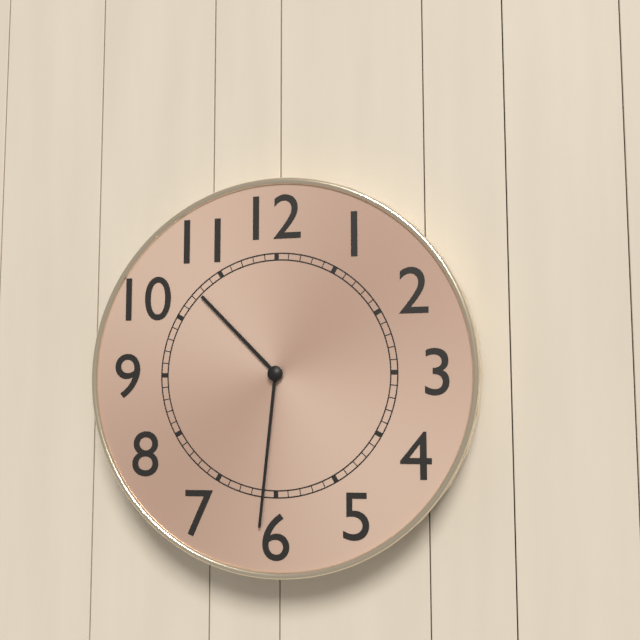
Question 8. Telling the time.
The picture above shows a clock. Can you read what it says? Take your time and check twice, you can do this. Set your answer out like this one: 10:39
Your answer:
10:31
